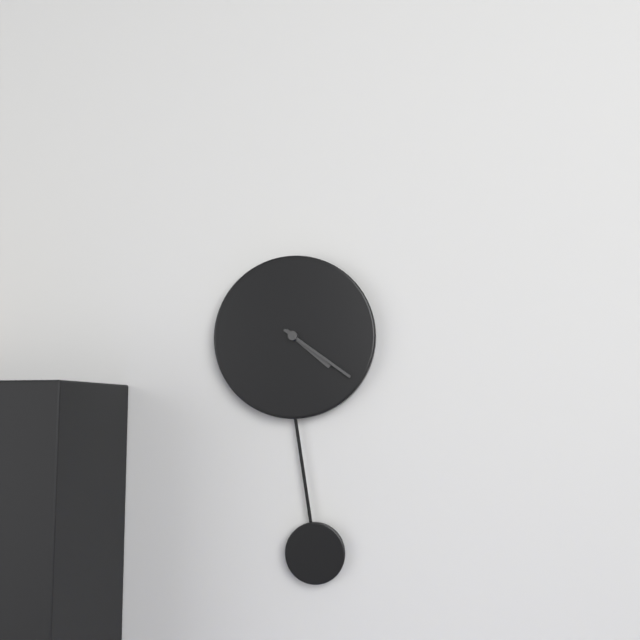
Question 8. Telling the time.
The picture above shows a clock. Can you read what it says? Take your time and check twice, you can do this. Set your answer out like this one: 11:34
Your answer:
4:21
